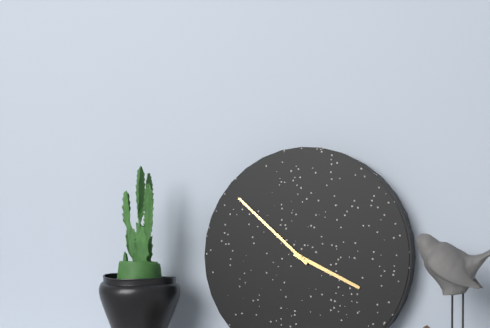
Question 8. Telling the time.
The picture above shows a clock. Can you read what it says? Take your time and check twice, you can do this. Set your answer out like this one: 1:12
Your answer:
3:52
